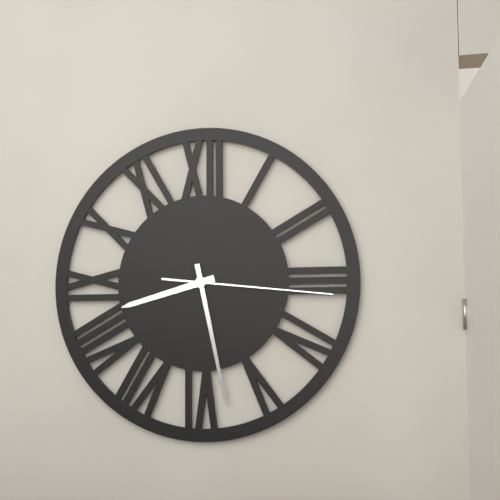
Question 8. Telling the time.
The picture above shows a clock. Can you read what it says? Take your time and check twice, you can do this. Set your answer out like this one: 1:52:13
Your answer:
8:28:16
